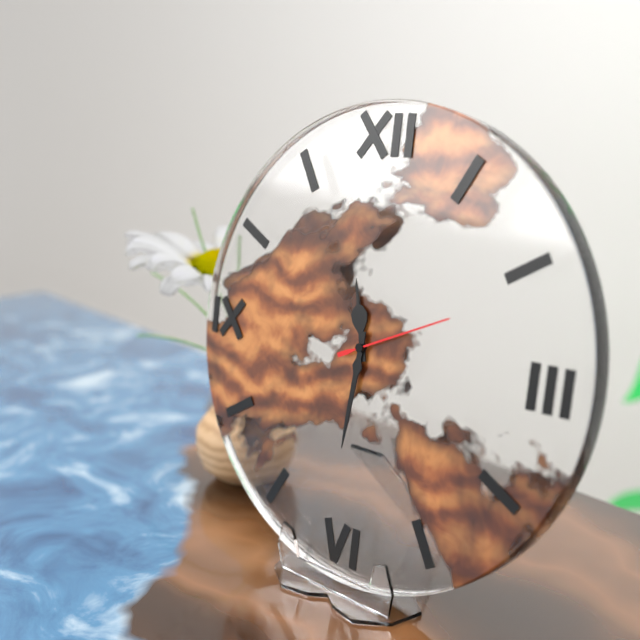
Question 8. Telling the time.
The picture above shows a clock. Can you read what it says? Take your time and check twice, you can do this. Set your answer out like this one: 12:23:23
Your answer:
11:31:11
